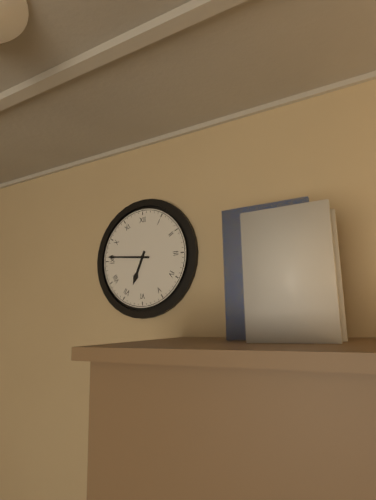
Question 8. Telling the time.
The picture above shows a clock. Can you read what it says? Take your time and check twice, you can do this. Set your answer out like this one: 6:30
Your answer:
6:46
